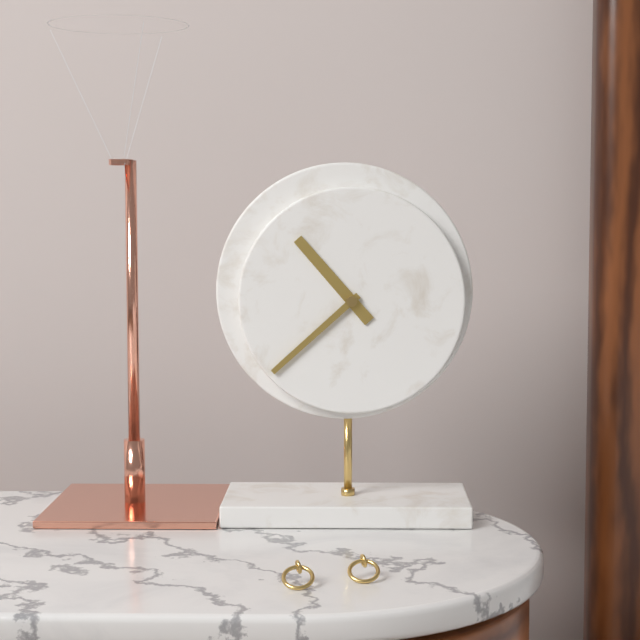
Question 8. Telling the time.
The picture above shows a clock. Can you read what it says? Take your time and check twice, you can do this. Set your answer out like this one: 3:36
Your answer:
10:38
